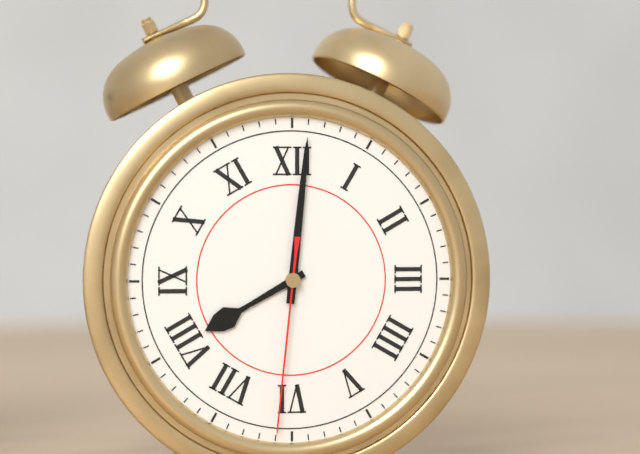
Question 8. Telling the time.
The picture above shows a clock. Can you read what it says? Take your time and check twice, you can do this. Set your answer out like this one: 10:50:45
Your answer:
8:01:31
